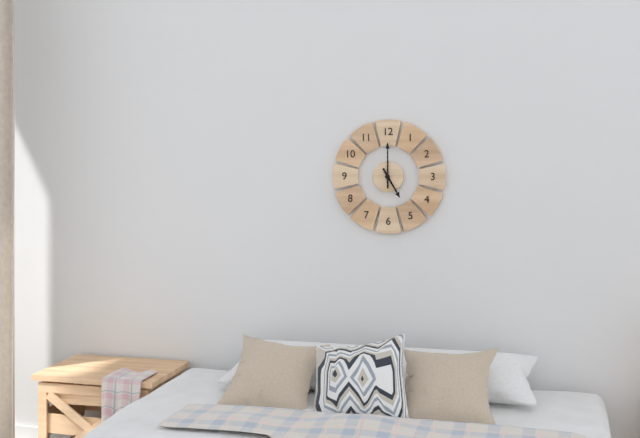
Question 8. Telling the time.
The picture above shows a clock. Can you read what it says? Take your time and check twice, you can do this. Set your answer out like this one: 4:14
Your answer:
5:00
